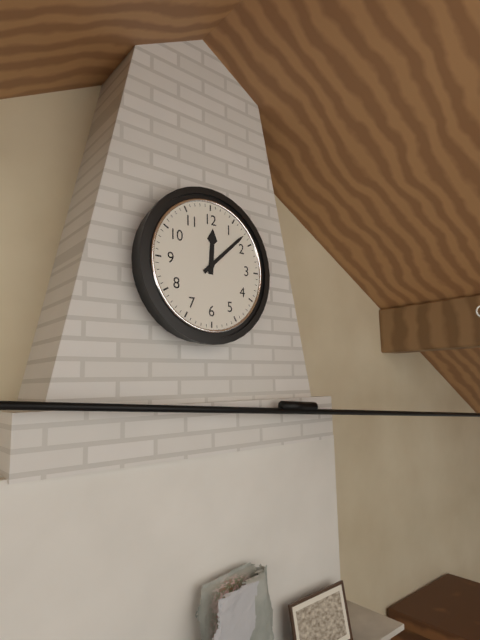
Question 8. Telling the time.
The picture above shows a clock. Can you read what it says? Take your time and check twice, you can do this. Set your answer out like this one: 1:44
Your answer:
12:08
